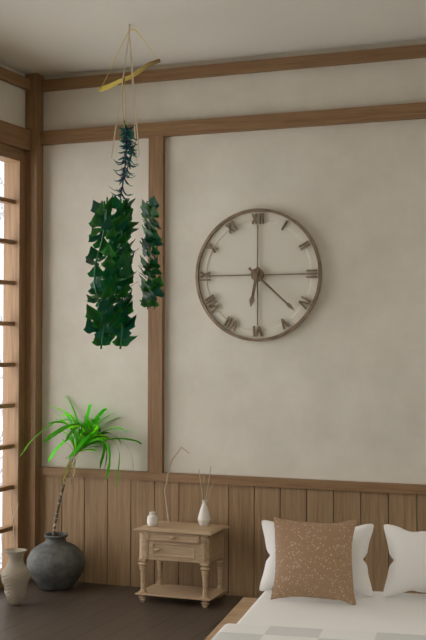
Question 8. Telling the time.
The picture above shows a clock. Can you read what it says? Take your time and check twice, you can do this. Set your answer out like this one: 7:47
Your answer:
6:22
